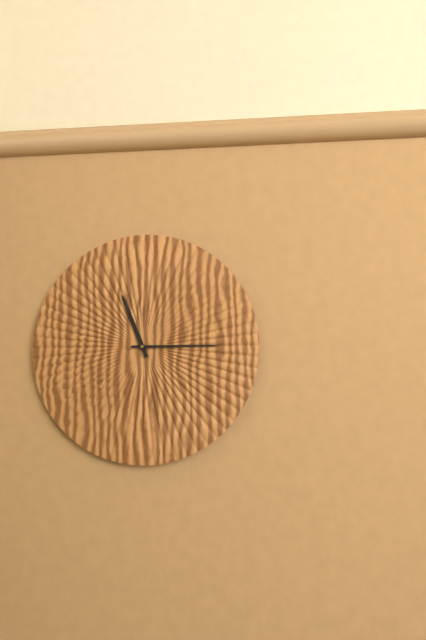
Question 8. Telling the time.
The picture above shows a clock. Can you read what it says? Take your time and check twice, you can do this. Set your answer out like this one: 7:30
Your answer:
11:15
